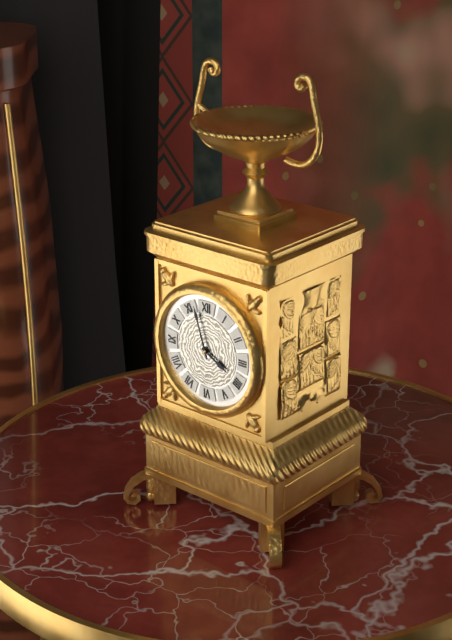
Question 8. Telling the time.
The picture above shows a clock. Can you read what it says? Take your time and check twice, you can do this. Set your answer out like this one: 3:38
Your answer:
3:57
